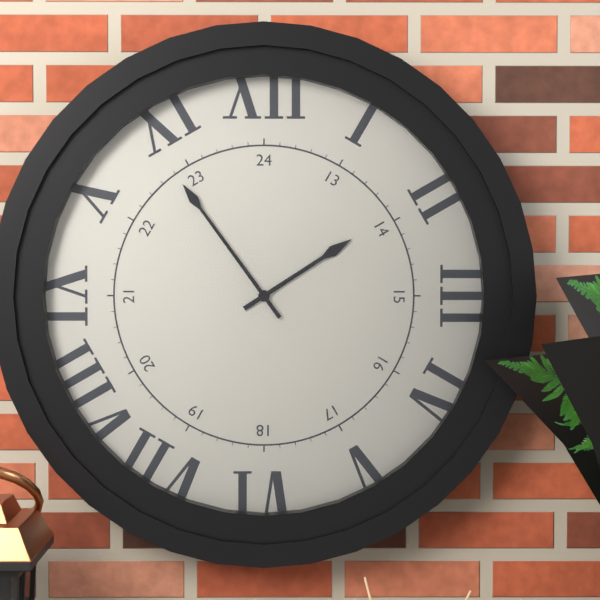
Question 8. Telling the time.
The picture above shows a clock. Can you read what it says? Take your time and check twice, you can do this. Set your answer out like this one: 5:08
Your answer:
1:54
